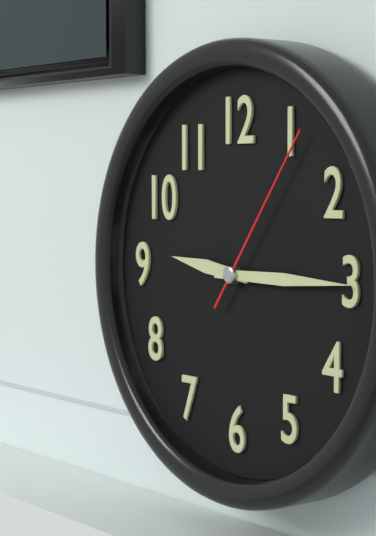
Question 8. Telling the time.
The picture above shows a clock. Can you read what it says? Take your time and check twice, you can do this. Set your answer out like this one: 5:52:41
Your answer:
9:15:06
